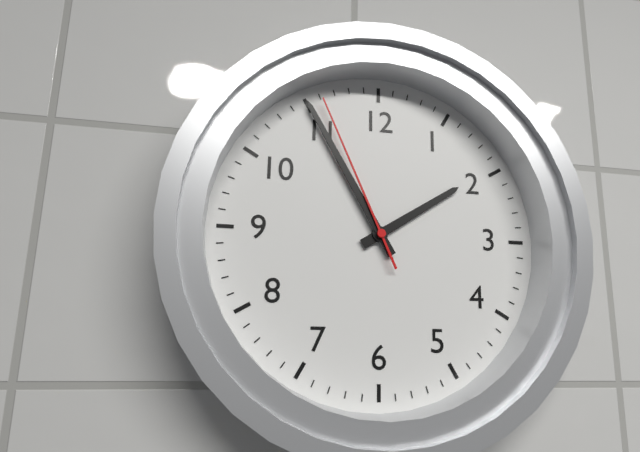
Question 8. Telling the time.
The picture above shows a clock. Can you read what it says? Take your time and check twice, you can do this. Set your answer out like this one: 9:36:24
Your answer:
1:55:56
